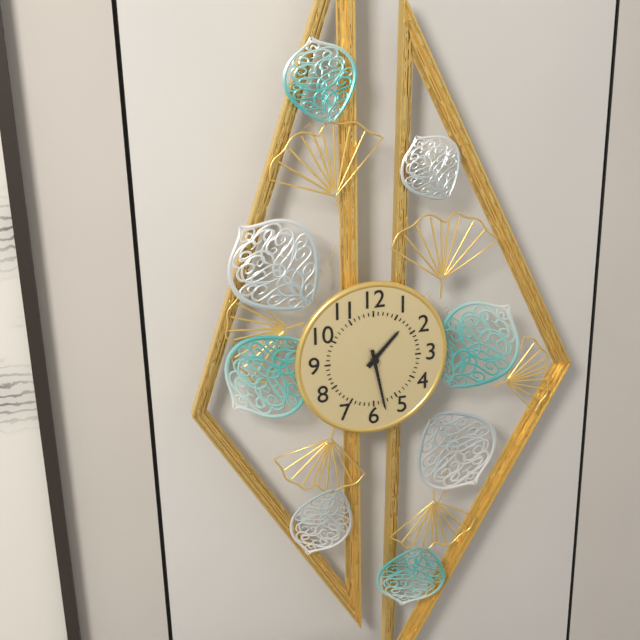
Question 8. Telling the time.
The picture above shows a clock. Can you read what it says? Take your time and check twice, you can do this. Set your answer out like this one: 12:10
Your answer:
1:28
